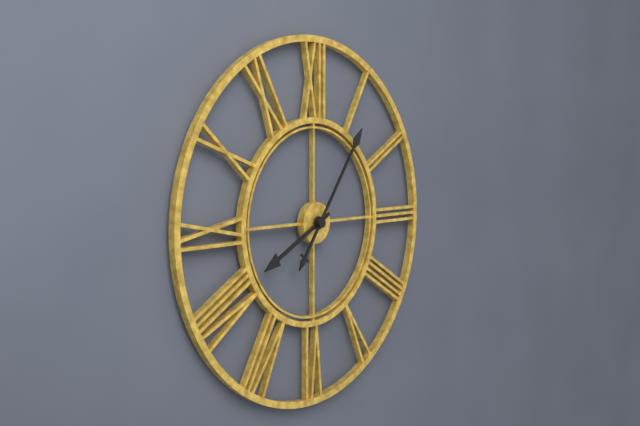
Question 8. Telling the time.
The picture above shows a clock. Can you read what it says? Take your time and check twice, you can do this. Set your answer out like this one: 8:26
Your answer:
8:06
